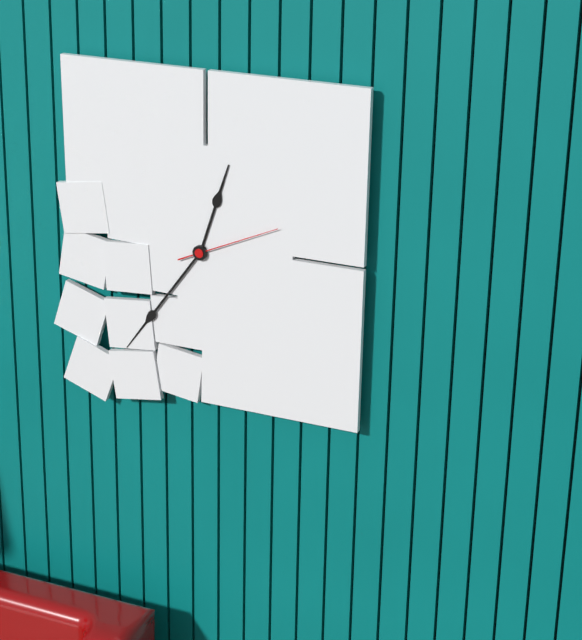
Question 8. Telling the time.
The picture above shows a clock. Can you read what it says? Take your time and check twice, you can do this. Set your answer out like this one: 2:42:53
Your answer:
12:36:11
